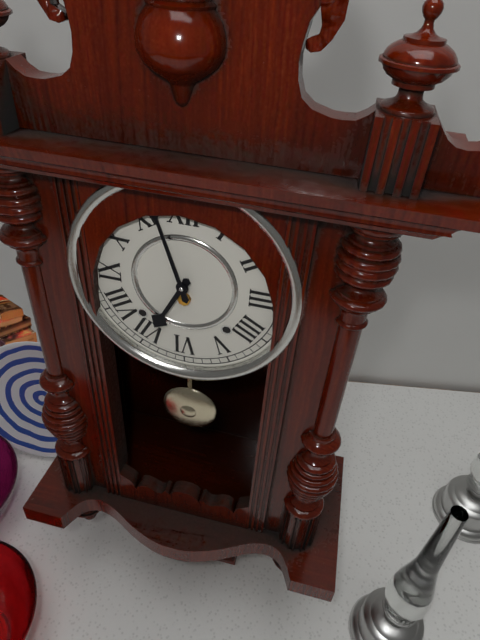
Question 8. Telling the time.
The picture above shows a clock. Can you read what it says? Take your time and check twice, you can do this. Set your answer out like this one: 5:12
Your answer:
6:57
